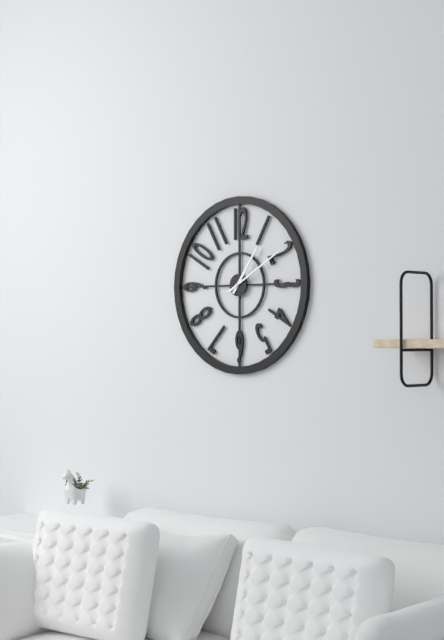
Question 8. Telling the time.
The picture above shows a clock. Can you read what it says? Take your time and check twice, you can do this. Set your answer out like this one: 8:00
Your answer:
1:10
